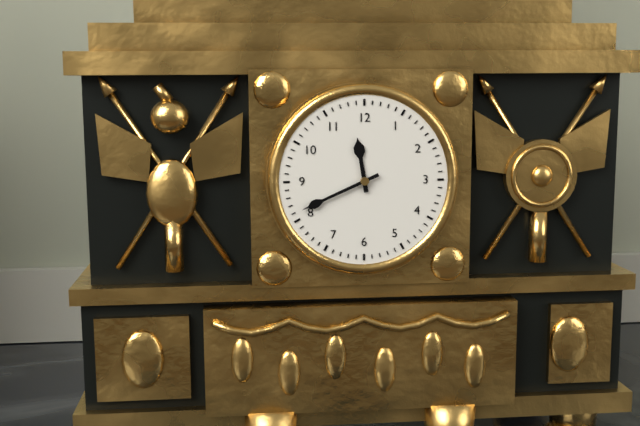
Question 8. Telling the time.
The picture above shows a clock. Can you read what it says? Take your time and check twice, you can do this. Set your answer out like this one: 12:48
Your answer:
11:41
